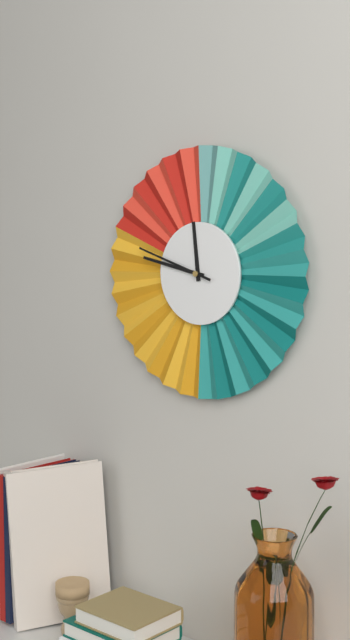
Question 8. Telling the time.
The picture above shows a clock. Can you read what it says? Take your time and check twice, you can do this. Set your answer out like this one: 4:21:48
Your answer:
11:47:48
